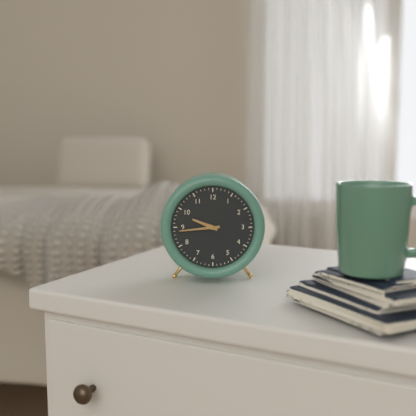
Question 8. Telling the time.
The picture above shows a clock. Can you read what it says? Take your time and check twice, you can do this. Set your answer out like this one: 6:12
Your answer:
9:44
